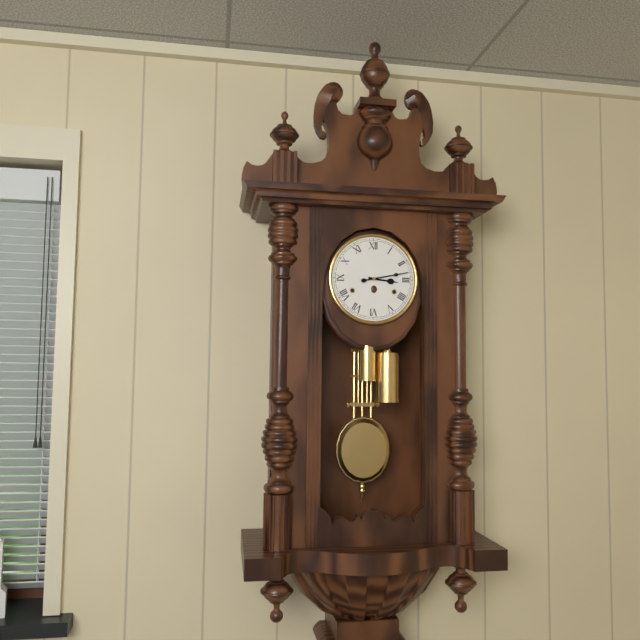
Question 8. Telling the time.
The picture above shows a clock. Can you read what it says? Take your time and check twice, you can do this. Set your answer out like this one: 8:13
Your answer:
3:13
